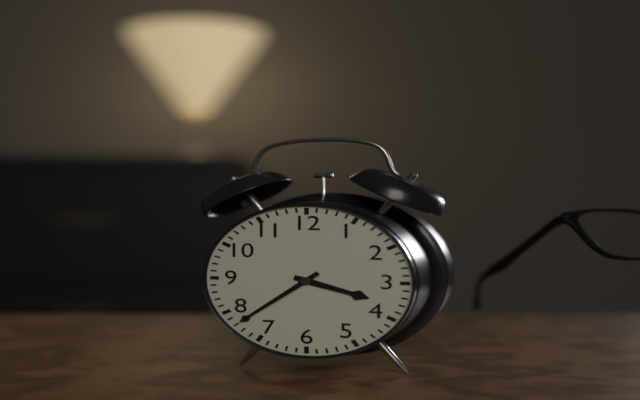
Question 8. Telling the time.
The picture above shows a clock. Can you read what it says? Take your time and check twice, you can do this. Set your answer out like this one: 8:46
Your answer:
3:38
